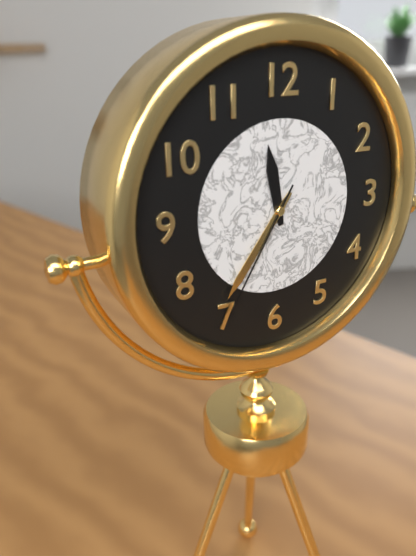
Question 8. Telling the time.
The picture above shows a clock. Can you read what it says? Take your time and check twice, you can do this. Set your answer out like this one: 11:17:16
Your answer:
11:36:35
